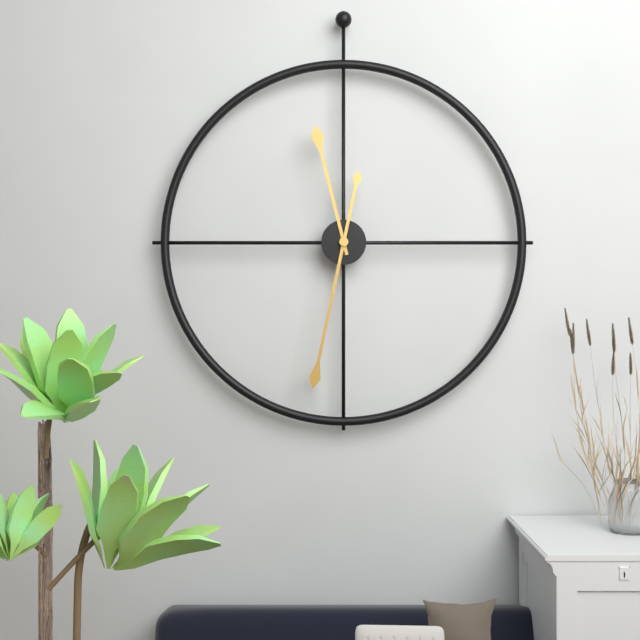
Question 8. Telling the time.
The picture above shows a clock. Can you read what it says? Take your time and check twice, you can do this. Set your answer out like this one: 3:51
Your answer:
11:32
